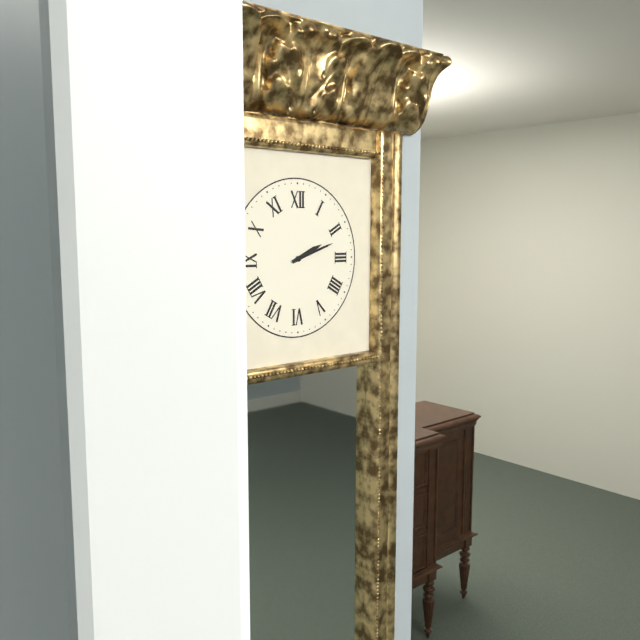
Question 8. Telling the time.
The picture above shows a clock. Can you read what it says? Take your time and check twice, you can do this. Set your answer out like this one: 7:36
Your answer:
2:12
